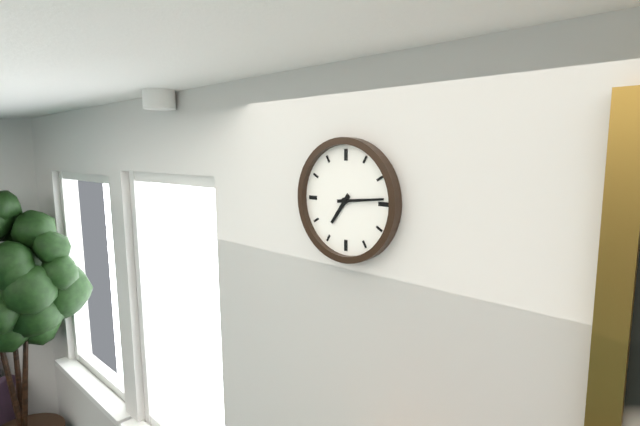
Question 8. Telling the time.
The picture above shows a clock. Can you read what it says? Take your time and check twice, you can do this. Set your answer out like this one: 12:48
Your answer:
7:14
